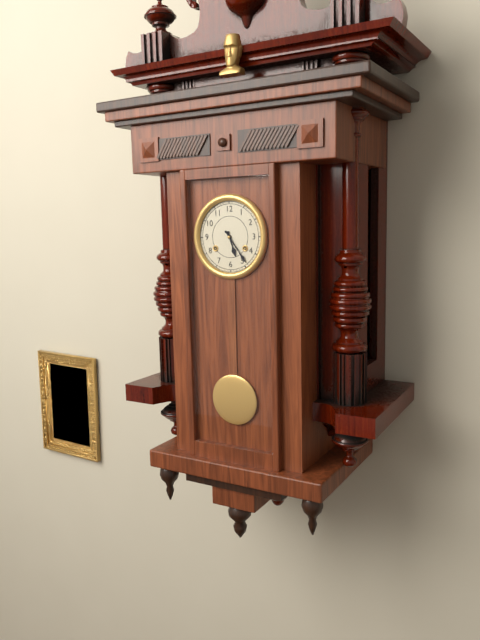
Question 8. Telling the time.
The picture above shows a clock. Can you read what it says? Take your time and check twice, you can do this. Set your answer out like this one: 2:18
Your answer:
5:24
